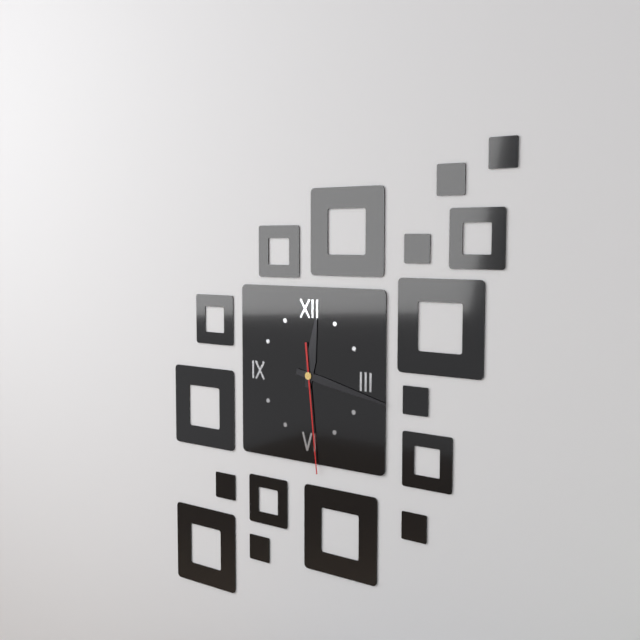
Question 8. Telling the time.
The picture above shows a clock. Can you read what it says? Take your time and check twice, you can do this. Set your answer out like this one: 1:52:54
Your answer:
12:17:29
